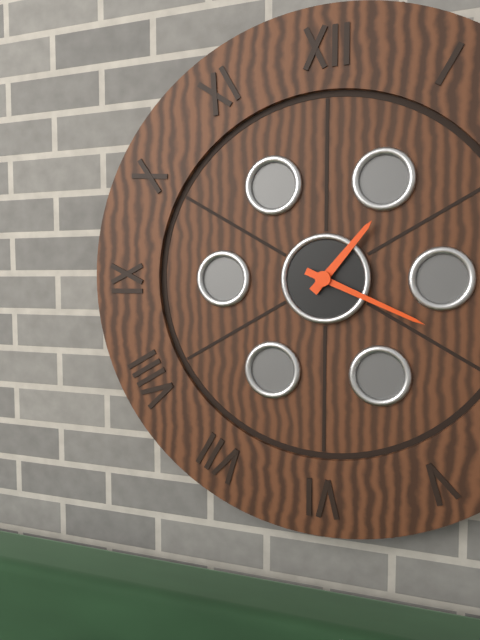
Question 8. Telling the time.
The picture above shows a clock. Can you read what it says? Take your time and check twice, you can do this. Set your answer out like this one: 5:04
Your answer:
1:19
